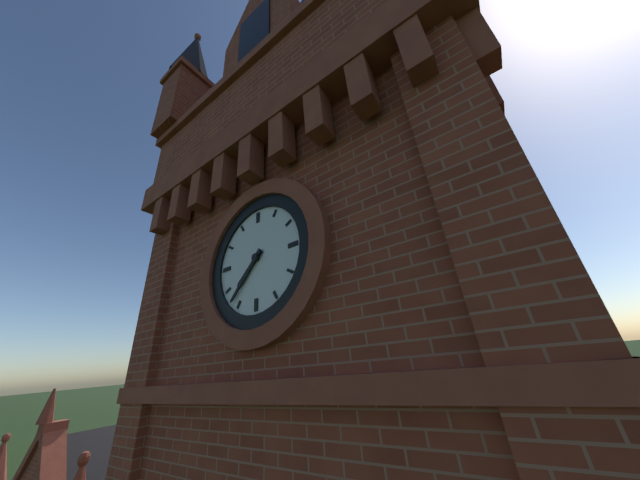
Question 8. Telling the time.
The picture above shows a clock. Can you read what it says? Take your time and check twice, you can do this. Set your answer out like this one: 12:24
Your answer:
7:37
